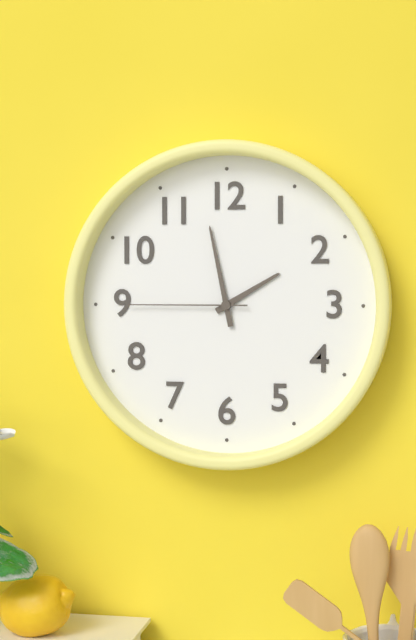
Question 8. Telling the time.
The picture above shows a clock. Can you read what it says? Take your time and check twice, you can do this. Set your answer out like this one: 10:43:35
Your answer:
1:58:45
